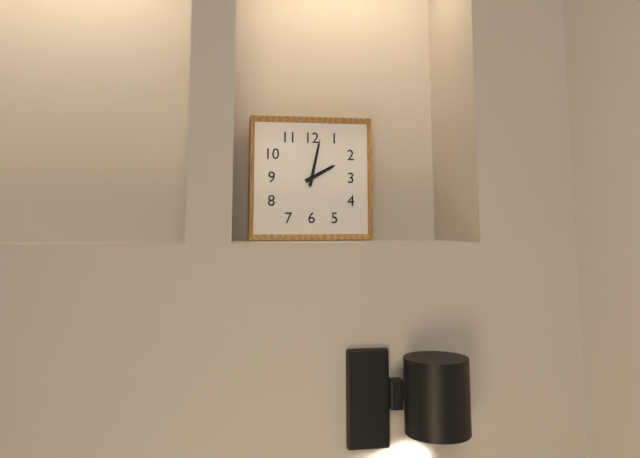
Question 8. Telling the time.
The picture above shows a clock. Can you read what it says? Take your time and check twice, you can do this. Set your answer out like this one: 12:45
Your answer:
2:02
